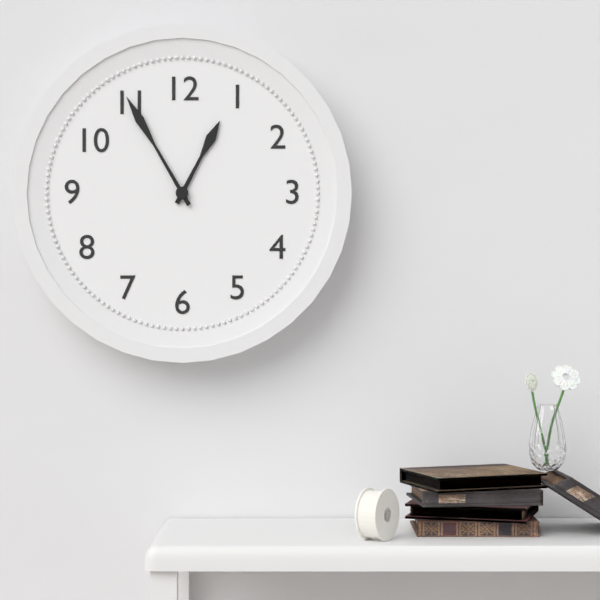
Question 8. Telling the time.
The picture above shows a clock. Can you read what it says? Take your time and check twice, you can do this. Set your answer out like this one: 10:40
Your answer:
12:55
